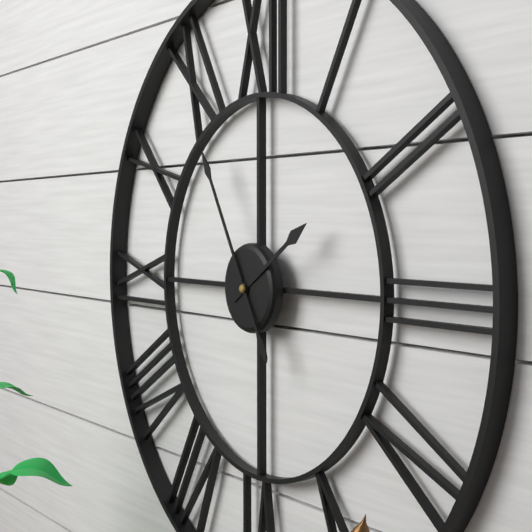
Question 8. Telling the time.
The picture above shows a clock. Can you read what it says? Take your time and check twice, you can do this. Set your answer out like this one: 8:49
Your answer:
1:55
